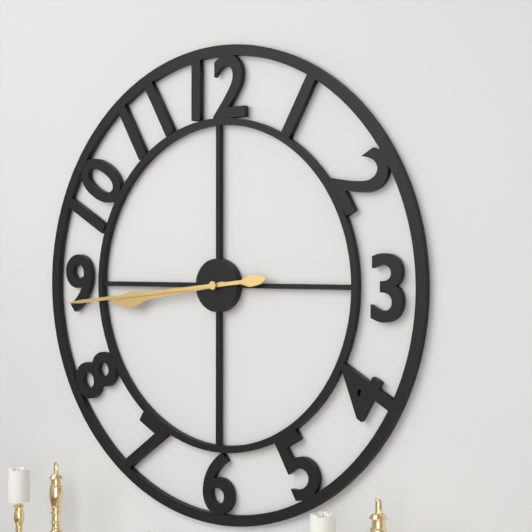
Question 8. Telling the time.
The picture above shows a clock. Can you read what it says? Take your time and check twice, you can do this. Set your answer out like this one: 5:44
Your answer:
8:44
